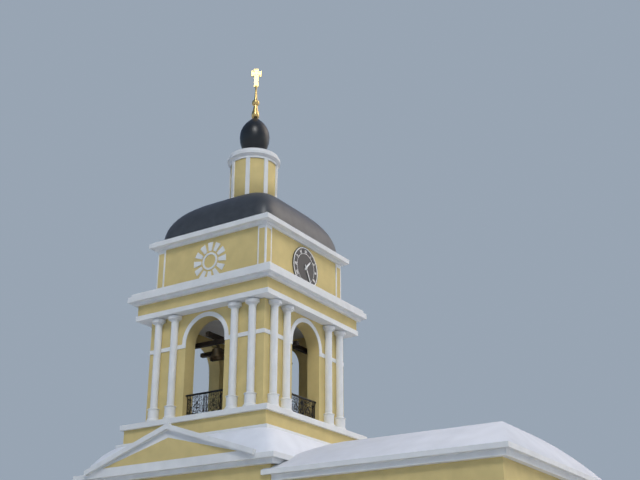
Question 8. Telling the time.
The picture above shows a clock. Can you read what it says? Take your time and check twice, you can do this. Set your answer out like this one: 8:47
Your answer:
1:25
